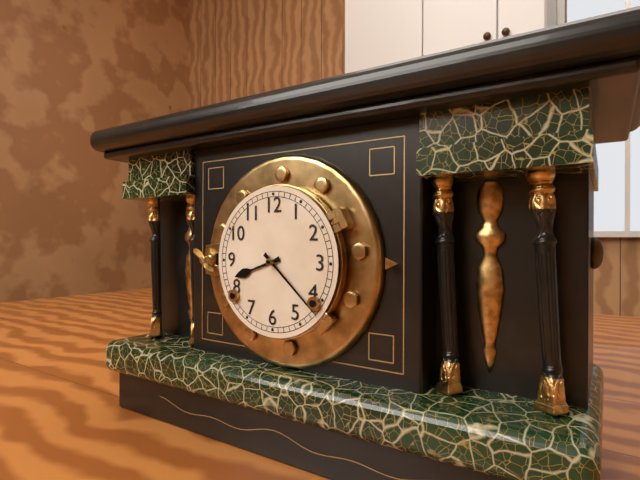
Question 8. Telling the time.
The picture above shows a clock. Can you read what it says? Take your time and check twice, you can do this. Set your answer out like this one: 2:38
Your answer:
8:22
